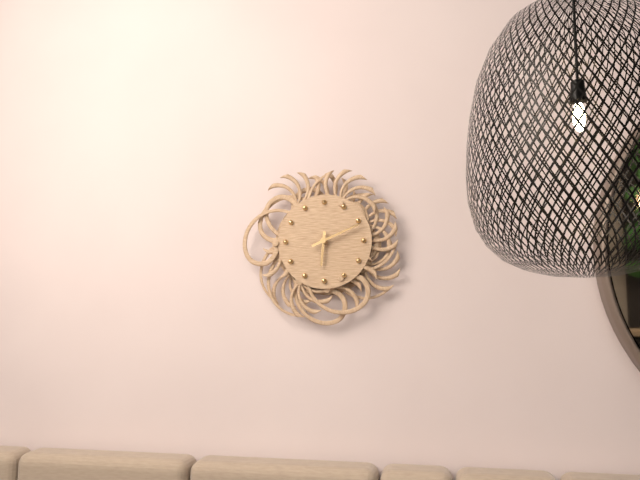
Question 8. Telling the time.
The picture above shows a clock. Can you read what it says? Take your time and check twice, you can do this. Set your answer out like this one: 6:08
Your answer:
6:11
